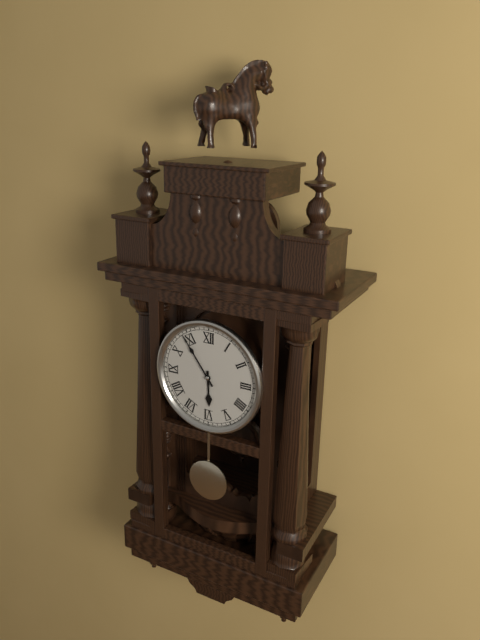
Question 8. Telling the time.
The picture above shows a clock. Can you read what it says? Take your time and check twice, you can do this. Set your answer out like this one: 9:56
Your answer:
5:54
